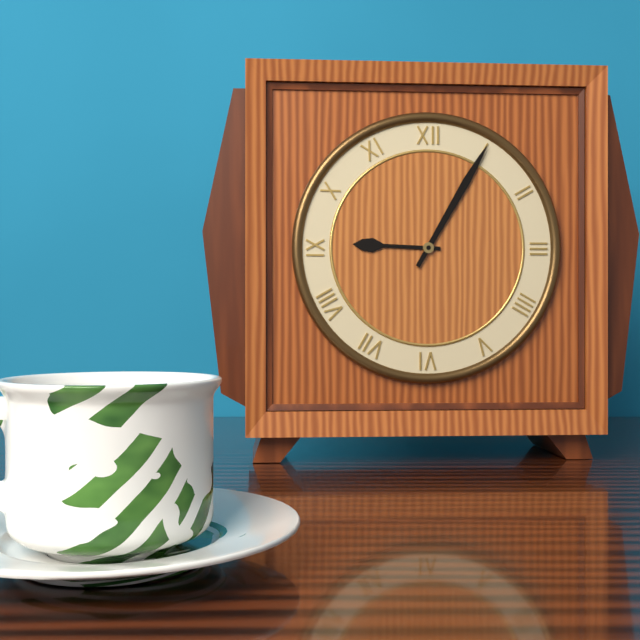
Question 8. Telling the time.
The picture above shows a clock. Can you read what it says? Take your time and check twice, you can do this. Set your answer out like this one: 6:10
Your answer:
9:05
